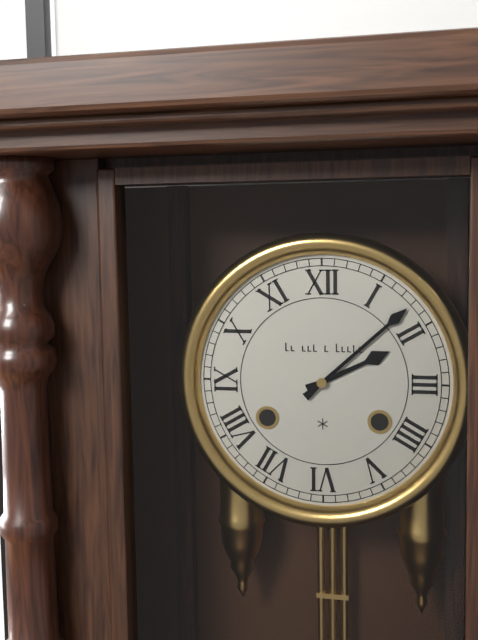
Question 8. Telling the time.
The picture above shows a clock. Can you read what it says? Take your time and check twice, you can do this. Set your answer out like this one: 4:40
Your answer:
2:08
